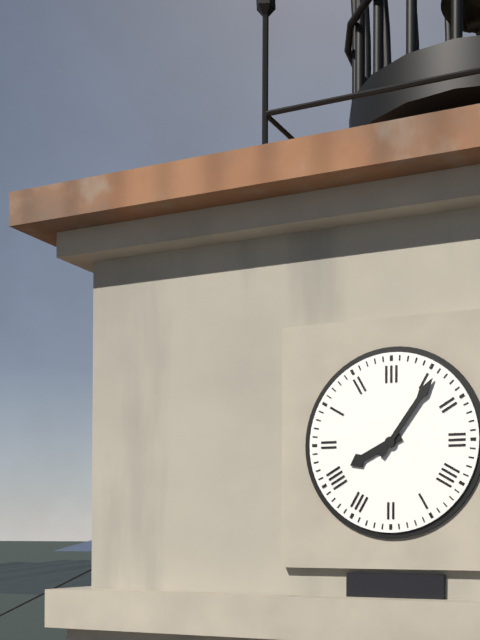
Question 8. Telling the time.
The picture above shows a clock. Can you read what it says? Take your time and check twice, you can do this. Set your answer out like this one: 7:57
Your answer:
8:06
